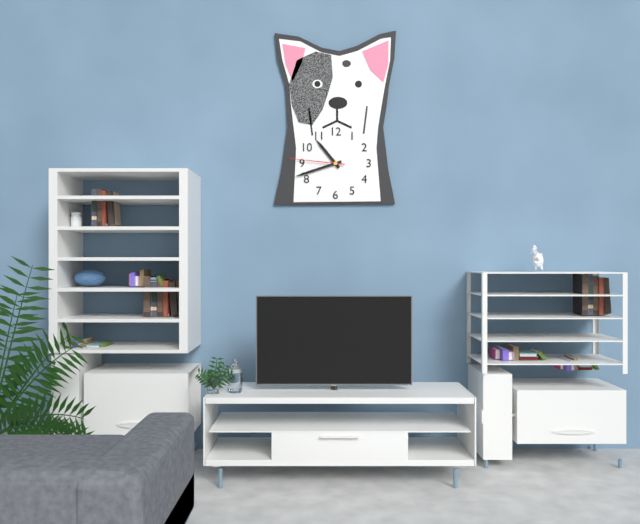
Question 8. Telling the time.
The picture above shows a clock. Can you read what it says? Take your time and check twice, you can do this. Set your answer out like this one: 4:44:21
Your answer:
10:42:46
